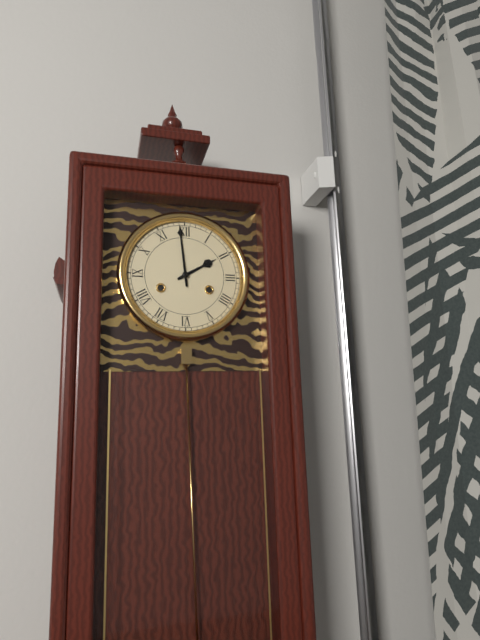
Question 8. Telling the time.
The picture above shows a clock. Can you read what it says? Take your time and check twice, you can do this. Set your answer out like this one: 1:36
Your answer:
1:59
